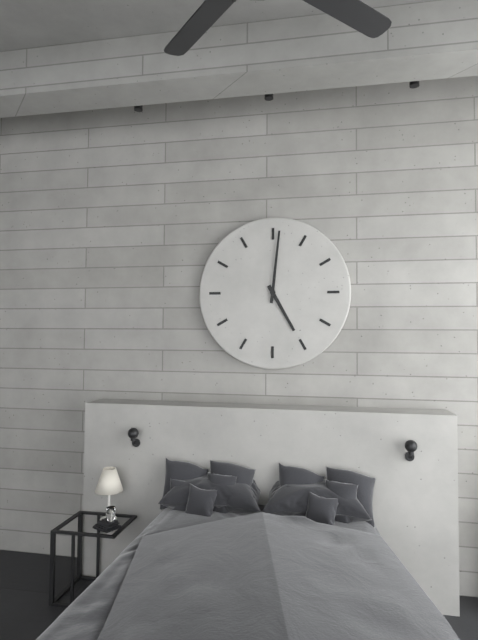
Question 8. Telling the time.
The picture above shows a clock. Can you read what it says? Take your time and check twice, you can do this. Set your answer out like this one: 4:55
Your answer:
5:01
